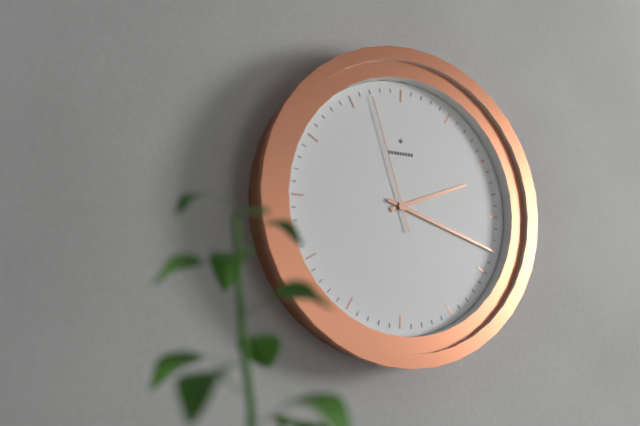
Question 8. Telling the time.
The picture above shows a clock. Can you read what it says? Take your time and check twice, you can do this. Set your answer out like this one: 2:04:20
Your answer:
2:18:57
